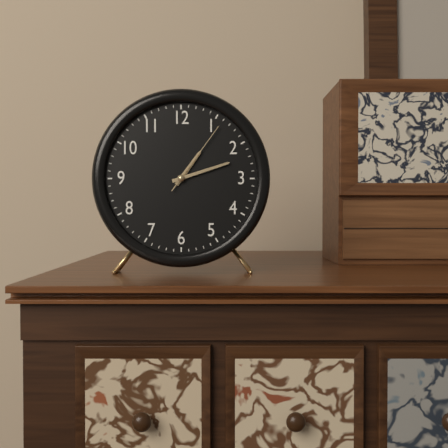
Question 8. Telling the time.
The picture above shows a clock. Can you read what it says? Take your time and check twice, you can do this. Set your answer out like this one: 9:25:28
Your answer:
1:12:06
